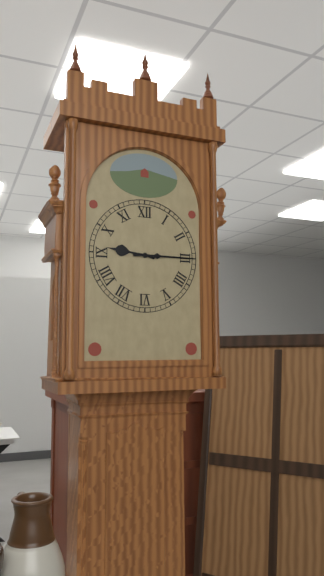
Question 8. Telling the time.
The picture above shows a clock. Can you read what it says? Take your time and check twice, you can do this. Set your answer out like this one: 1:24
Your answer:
9:15
